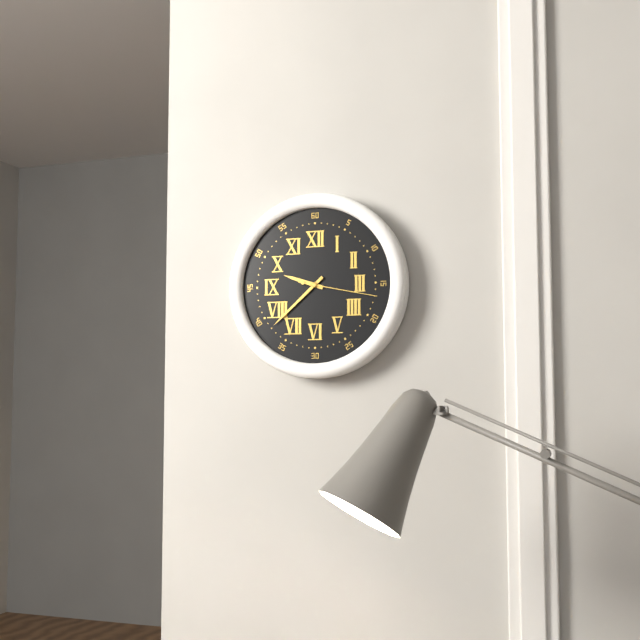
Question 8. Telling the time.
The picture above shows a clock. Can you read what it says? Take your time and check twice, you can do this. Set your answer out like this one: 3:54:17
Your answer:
9:38:17
